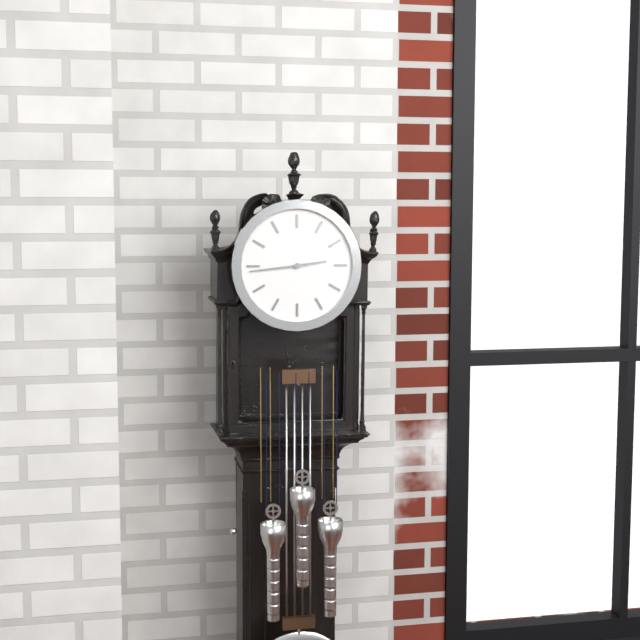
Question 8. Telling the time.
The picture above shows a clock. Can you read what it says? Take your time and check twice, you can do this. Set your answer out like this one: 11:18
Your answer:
2:44
